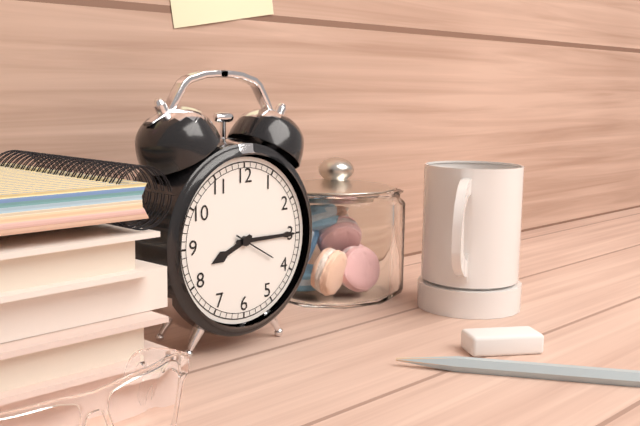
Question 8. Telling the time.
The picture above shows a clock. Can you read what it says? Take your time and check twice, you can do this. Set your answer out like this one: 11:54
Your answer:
8:15
